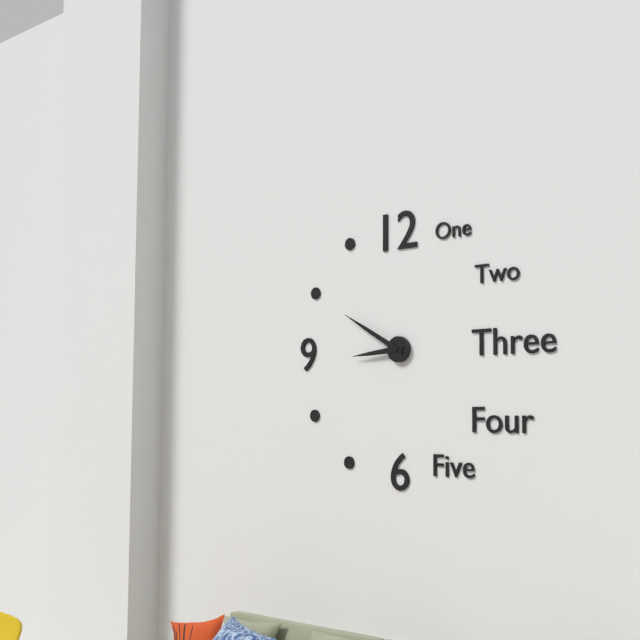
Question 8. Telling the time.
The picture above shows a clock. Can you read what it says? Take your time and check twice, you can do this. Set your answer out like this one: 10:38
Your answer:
8:50
